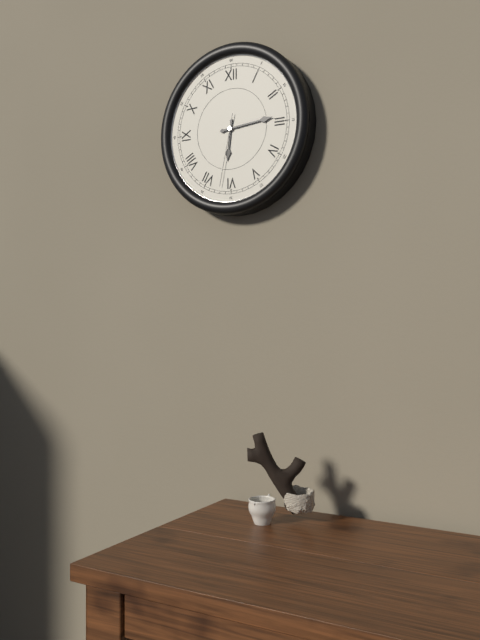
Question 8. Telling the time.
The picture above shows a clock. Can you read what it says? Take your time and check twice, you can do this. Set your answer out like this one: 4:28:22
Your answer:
6:14:32
